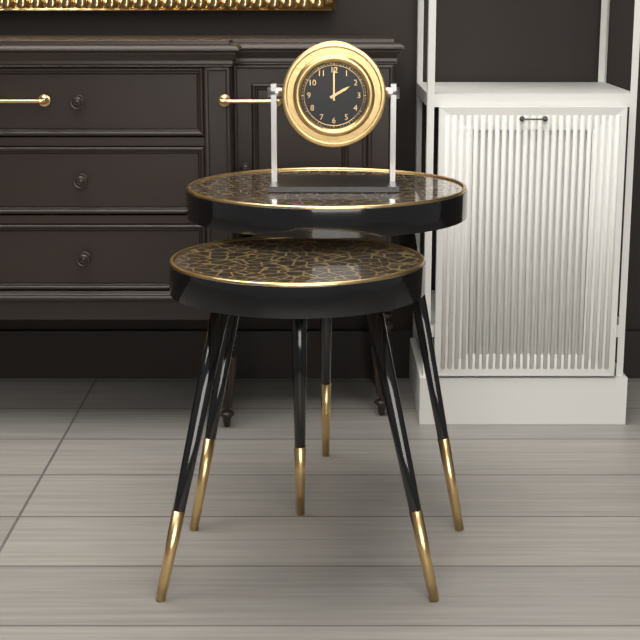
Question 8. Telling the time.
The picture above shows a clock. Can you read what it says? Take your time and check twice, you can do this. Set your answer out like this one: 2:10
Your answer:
2:00
